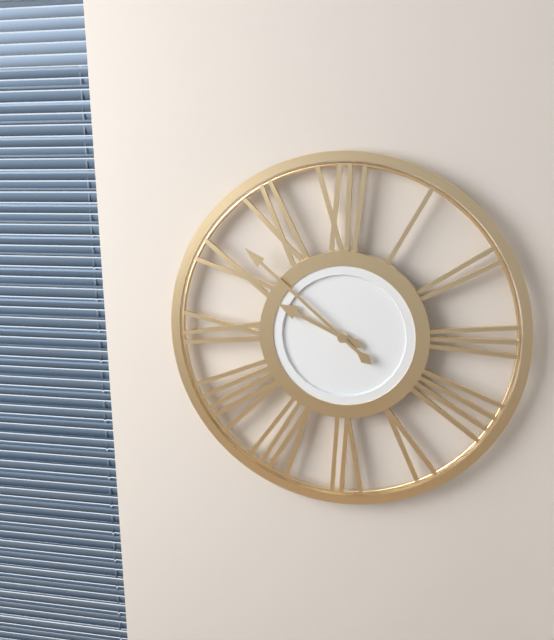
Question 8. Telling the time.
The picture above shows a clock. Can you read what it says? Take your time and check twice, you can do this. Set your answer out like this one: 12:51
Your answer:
9:52
